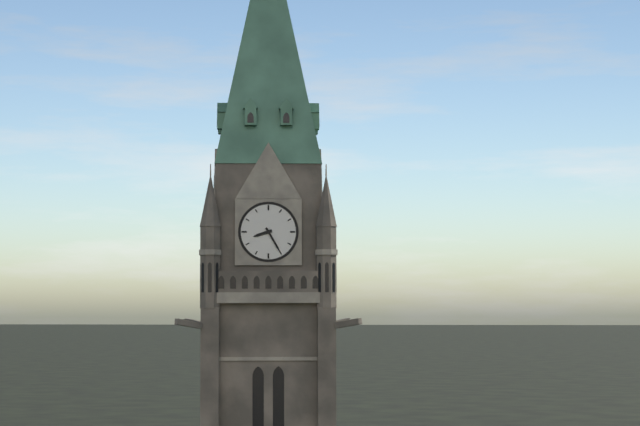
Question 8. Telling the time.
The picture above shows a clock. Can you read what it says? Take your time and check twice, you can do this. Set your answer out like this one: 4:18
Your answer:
8:25
